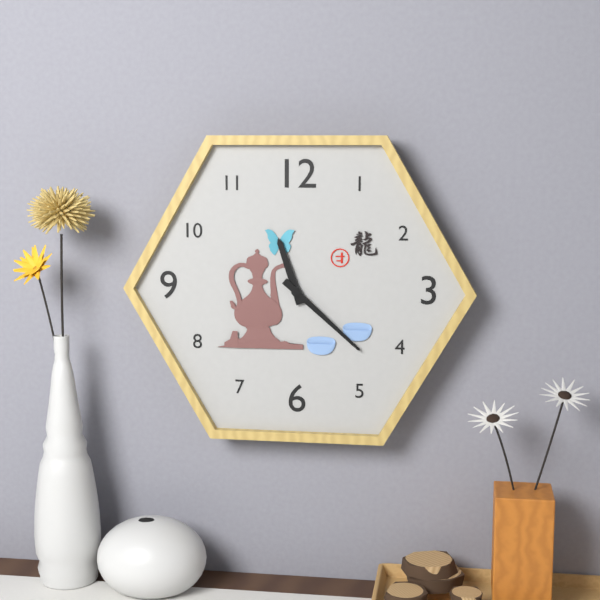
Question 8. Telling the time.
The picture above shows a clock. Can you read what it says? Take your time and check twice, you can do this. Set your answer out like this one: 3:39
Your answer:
11:22
